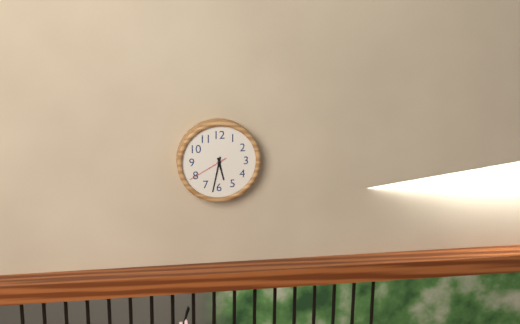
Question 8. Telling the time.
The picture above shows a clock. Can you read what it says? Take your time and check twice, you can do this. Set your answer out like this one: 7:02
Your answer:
5:32
